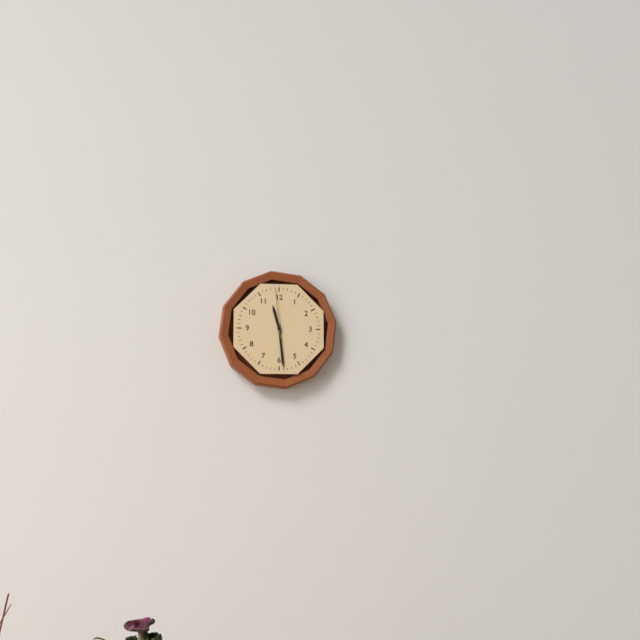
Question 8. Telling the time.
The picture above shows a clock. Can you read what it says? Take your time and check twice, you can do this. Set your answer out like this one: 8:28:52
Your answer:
11:29:59
